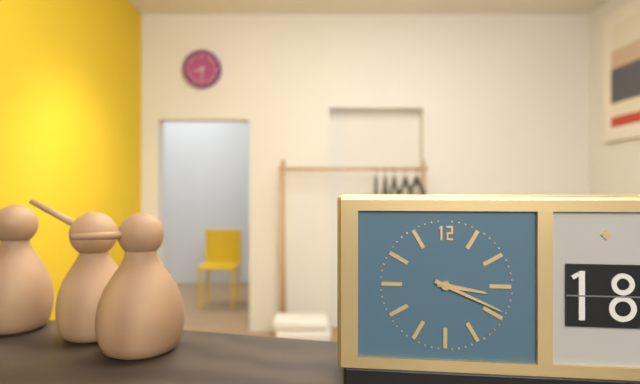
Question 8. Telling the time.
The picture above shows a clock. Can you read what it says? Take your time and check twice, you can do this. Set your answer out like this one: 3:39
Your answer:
3:19
